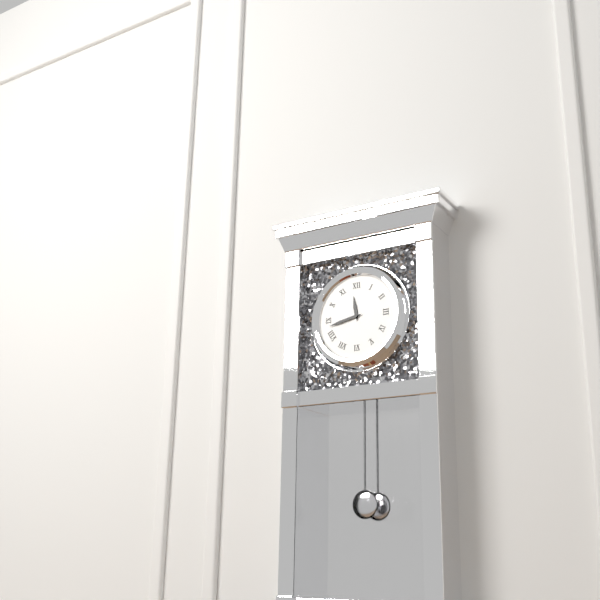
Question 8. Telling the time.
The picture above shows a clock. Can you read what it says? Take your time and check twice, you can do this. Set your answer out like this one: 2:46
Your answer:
11:43
